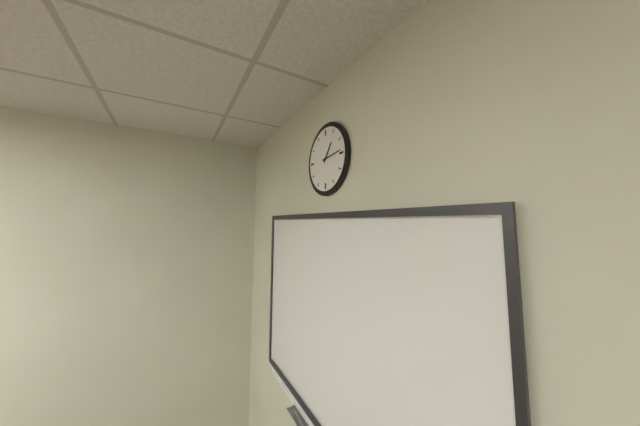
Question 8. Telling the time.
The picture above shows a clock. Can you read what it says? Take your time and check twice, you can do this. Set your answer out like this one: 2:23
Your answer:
1:14
